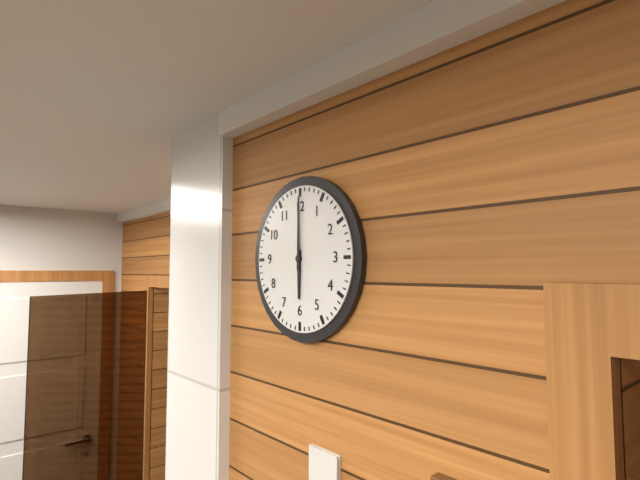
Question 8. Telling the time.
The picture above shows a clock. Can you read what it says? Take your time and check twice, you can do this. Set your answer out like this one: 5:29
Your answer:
6:00
